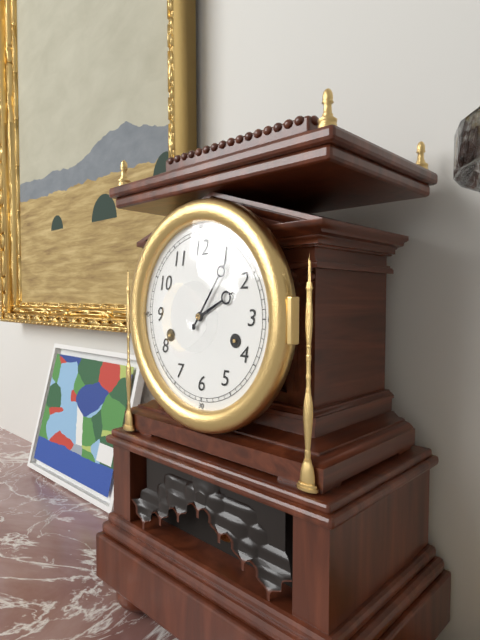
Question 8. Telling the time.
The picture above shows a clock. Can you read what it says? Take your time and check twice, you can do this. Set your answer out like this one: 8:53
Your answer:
2:06
